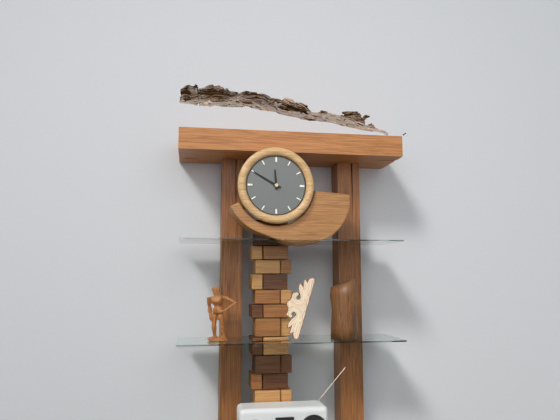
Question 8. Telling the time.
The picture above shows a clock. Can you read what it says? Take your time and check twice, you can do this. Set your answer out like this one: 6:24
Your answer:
11:50
